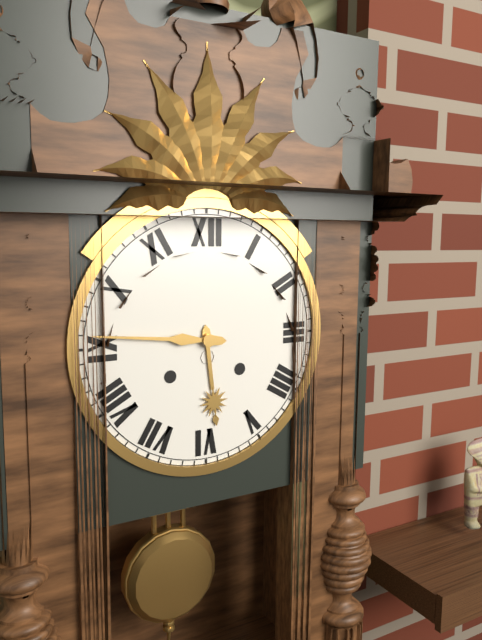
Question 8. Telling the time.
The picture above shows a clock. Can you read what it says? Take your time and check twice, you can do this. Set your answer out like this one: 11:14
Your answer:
5:46
